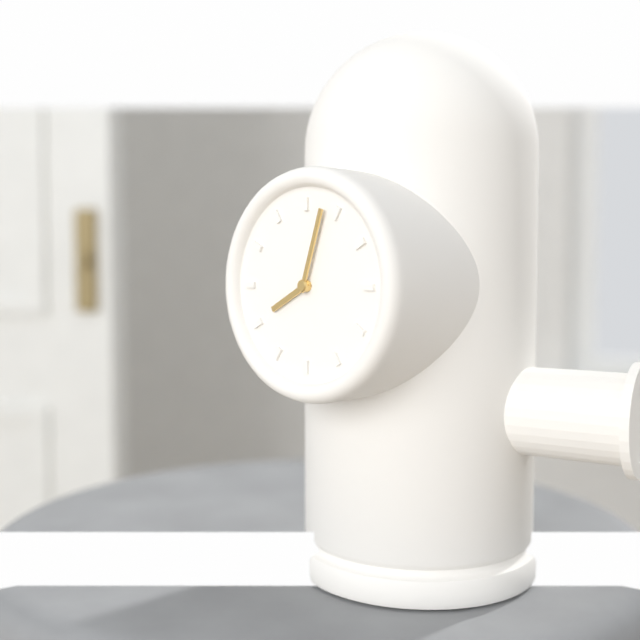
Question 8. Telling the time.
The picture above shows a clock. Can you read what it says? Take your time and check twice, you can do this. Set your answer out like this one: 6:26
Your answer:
8:03
